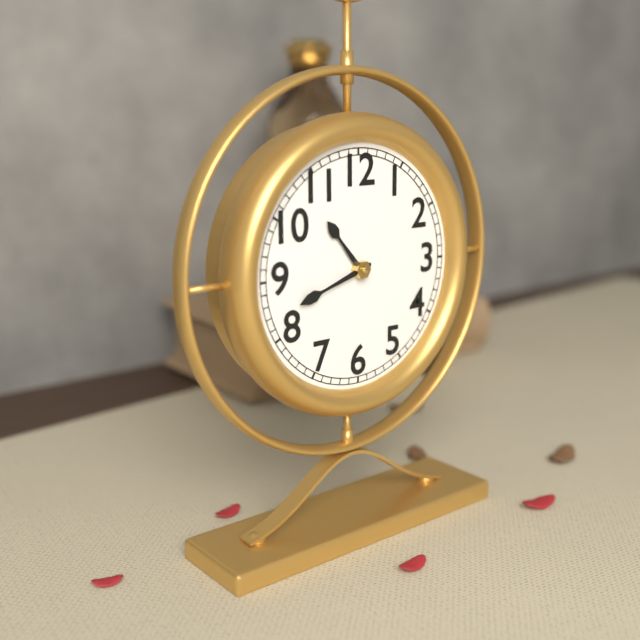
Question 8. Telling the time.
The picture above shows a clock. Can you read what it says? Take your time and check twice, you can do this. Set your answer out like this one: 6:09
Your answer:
10:42
